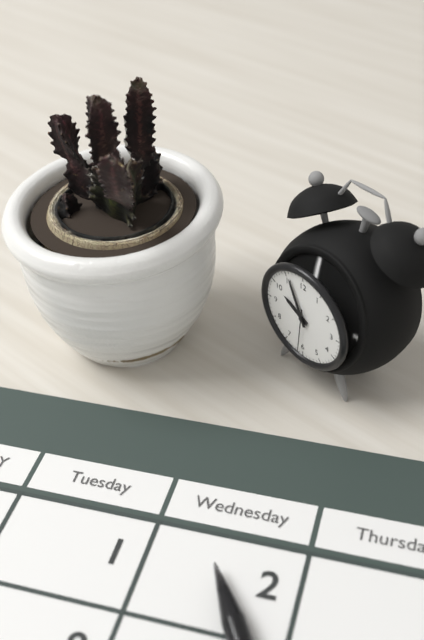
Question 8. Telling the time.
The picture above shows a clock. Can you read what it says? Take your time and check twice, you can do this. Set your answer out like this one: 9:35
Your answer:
9:56
